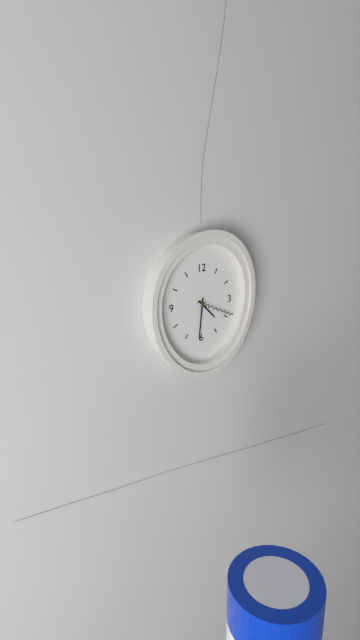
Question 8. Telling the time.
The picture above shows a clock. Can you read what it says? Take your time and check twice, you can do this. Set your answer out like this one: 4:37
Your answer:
4:31
